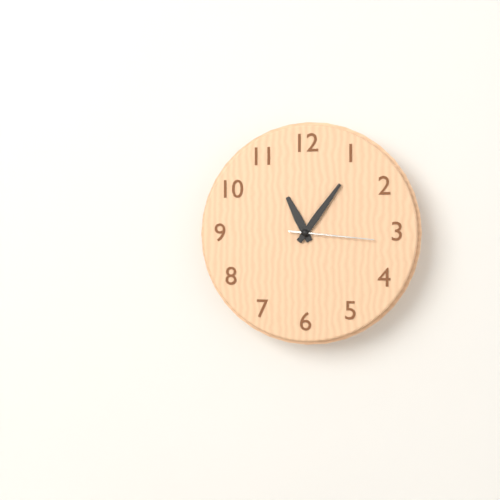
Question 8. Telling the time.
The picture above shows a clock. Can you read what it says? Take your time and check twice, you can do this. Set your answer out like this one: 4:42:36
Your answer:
11:06:16
